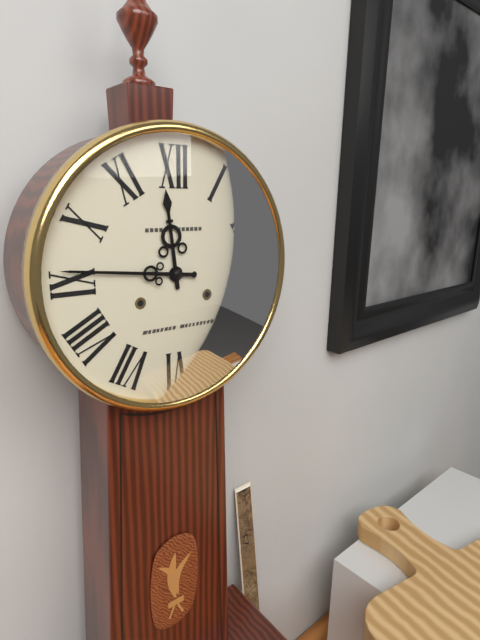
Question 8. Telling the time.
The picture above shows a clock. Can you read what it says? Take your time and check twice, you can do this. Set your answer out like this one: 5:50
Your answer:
11:46
